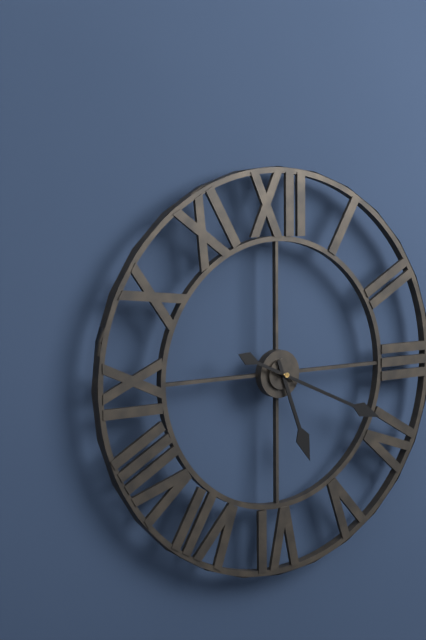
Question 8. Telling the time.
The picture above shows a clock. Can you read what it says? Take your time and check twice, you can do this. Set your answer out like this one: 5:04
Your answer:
5:19
